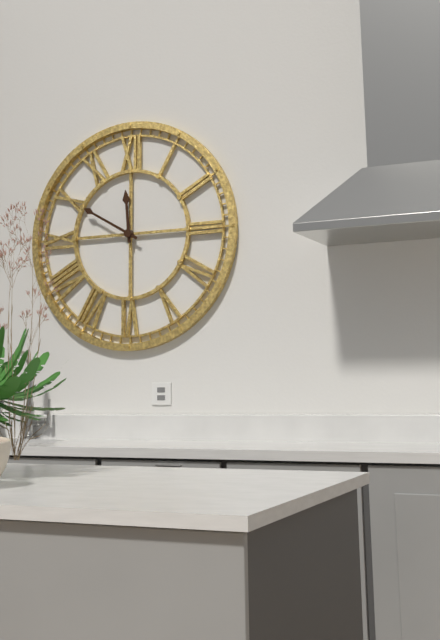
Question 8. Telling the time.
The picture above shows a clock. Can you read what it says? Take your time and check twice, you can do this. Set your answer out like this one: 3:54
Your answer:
11:50
